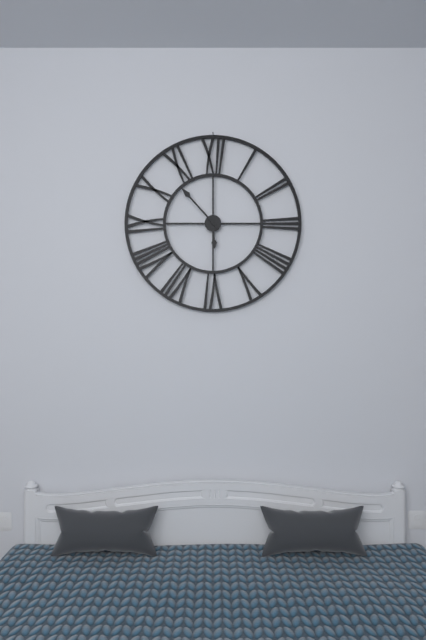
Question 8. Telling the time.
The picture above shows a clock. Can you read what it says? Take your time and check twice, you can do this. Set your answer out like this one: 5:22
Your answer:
5:53
